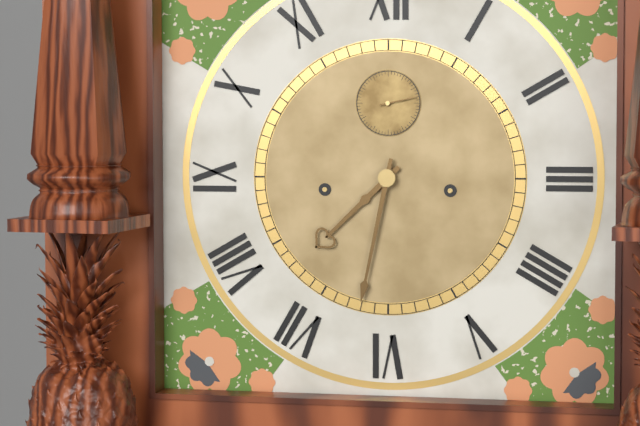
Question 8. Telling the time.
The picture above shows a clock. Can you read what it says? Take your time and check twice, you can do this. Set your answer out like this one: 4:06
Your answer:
7:32
